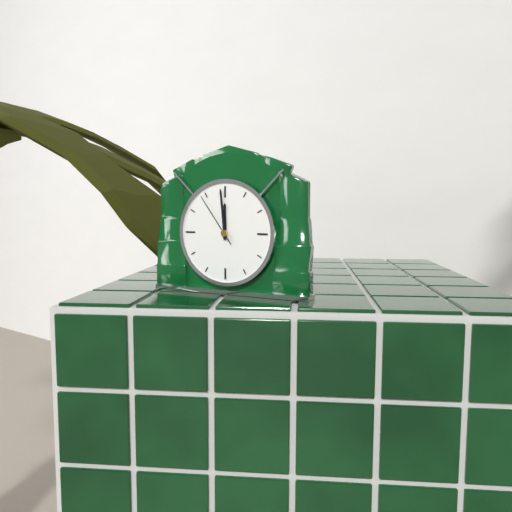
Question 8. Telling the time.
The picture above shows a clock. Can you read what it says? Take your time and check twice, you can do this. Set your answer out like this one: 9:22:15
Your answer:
11:59:54
